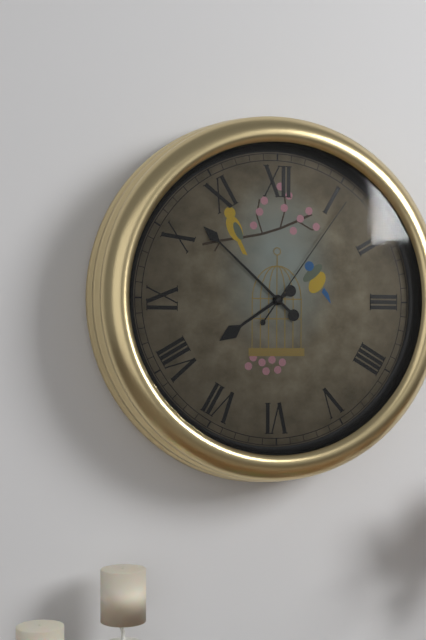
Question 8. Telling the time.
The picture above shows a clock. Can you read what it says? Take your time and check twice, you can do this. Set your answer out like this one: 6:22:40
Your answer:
7:52:06
